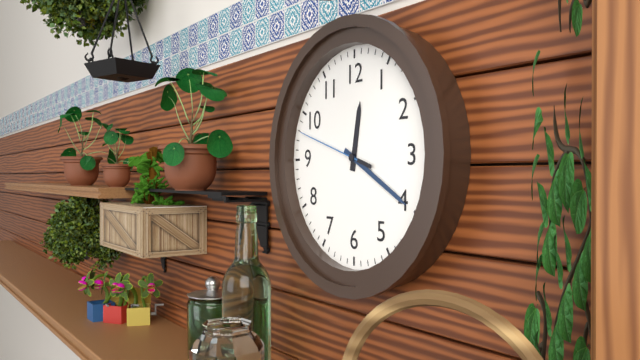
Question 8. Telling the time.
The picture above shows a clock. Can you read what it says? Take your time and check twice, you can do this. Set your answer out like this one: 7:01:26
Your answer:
12:20:48
